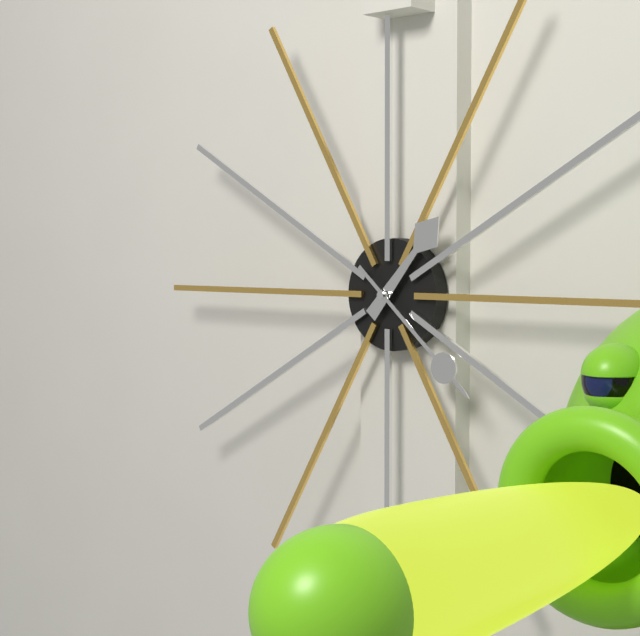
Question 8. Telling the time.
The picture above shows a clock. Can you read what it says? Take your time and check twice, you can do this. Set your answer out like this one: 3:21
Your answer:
1:22
